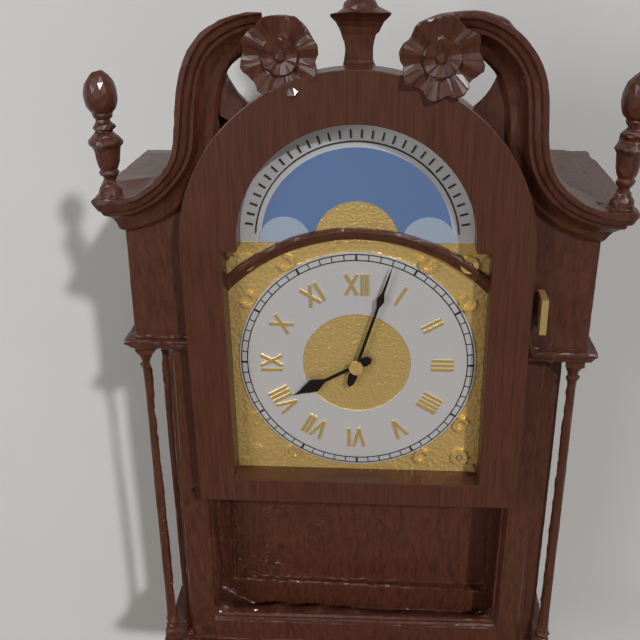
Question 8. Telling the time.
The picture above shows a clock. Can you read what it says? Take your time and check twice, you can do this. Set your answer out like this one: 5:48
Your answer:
8:03
